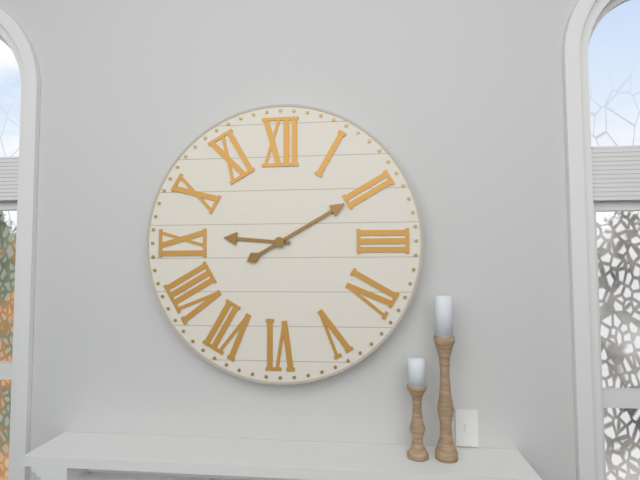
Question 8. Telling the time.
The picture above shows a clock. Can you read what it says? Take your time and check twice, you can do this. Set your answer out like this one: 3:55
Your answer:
9:10
